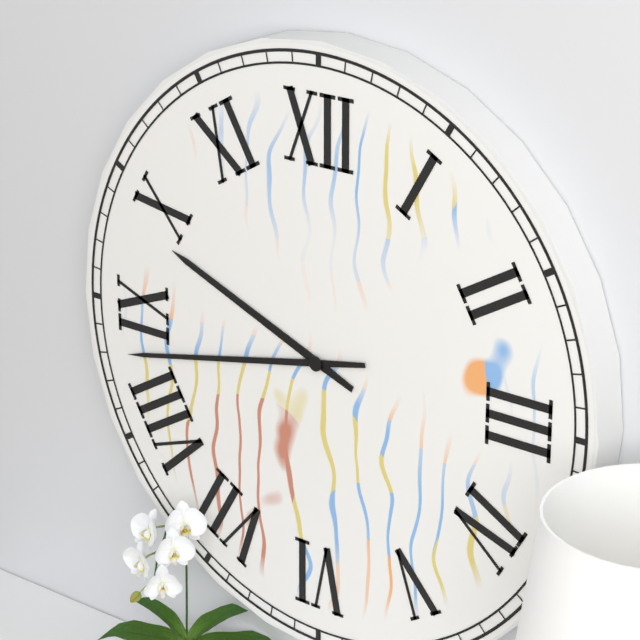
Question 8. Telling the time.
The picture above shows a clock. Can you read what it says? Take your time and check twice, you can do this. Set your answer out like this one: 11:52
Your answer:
9:43
